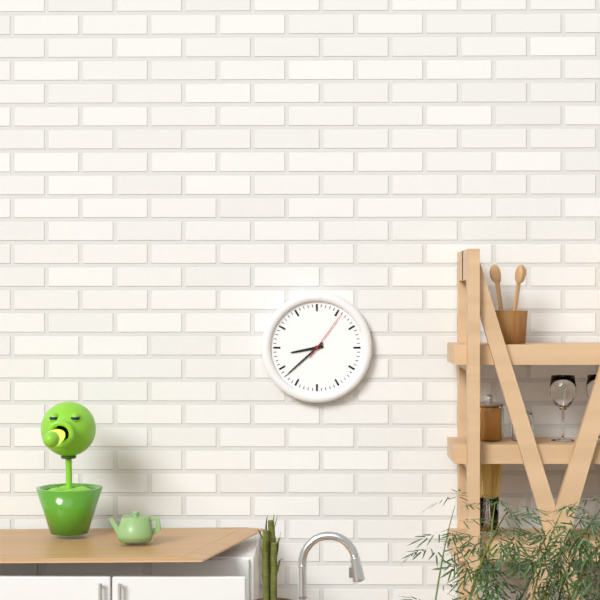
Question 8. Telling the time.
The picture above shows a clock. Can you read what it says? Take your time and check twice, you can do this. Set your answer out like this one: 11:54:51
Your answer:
8:38:06
